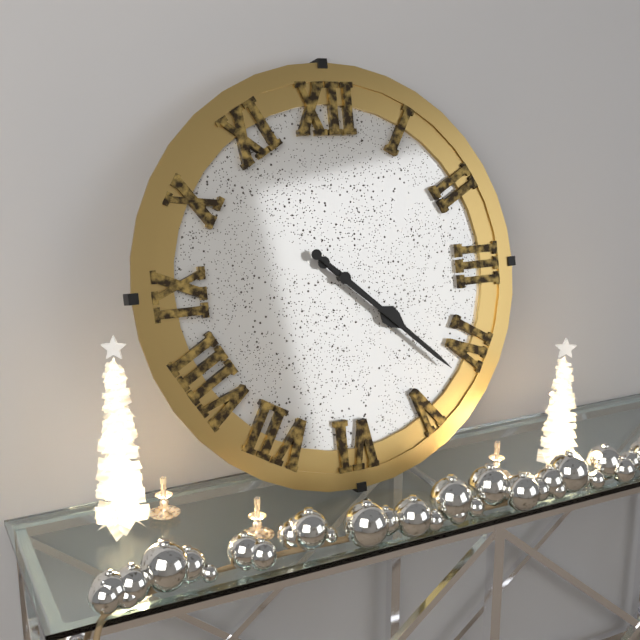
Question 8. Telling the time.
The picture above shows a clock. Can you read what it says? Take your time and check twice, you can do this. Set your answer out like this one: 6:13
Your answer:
4:22
